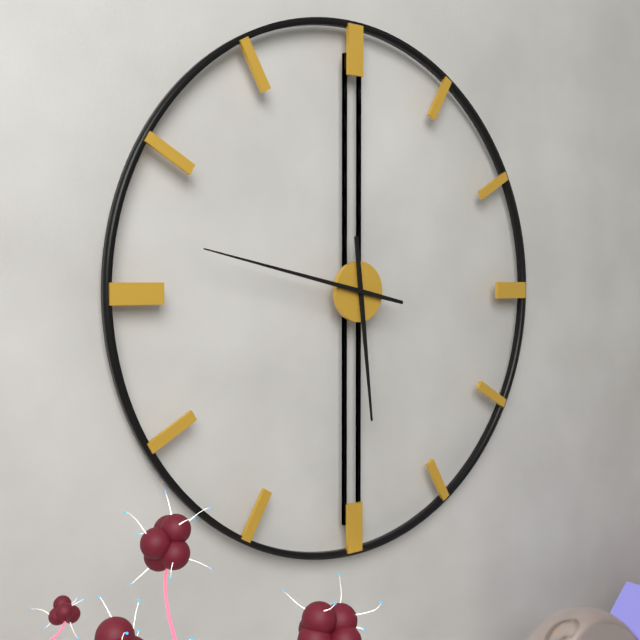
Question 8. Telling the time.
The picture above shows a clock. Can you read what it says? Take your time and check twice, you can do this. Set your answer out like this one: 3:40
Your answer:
5:47
